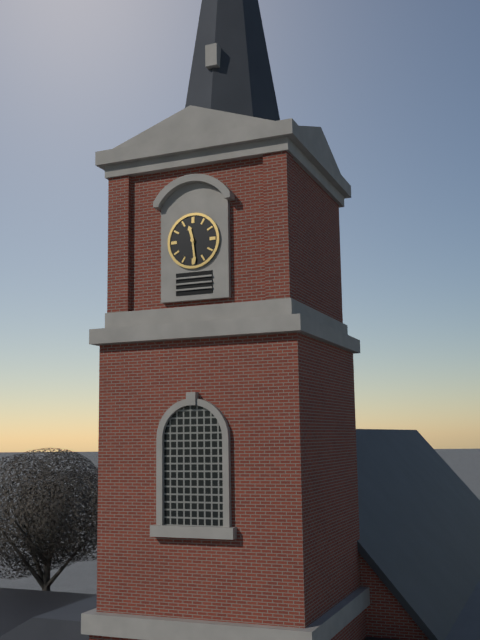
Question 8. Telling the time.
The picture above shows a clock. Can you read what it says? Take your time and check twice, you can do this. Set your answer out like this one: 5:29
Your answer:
11:29
